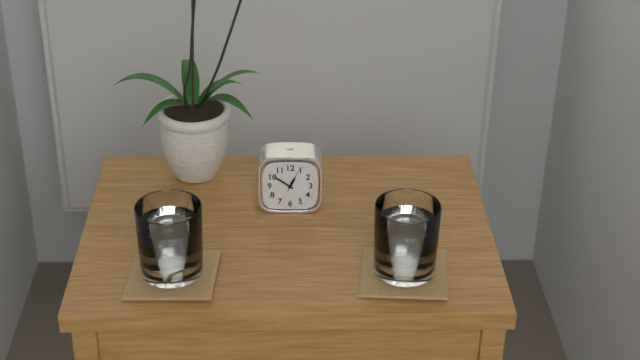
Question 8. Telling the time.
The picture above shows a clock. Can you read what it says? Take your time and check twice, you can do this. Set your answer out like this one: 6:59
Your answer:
12:51
